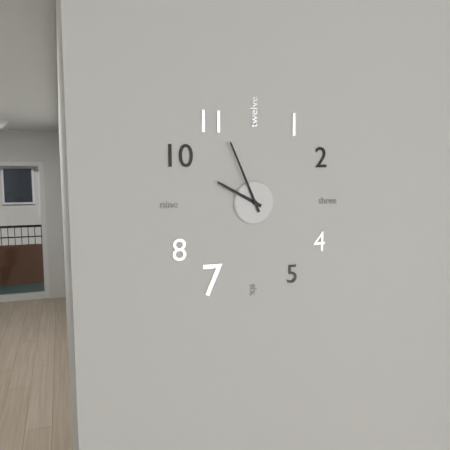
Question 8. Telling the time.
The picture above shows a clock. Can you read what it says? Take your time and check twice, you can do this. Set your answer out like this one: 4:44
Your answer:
9:56
